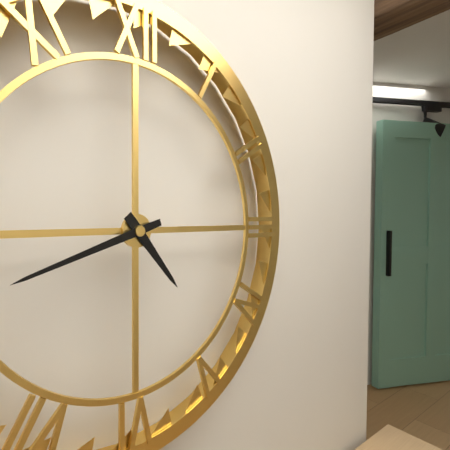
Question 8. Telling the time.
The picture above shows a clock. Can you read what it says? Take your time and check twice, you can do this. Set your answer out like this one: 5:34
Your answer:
4:42
